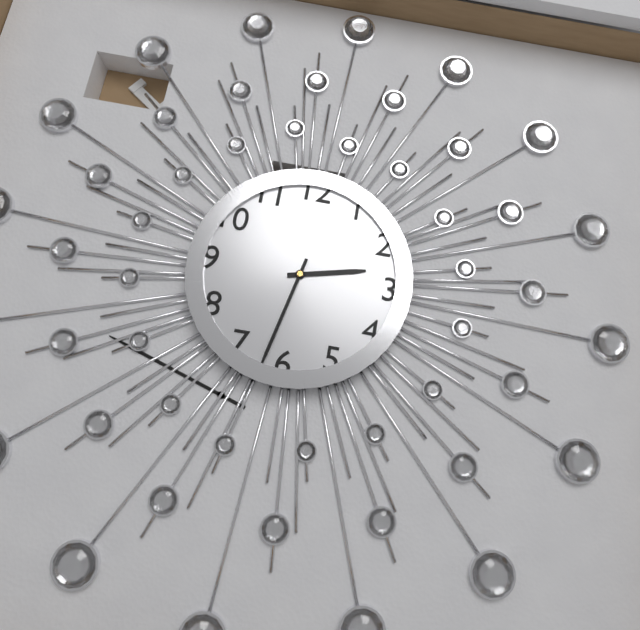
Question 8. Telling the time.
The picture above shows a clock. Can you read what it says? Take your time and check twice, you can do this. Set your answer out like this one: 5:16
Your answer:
2:32
